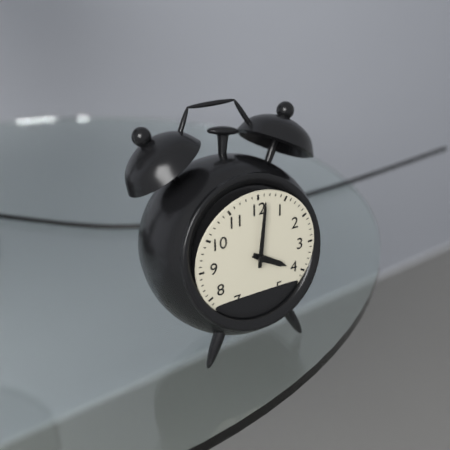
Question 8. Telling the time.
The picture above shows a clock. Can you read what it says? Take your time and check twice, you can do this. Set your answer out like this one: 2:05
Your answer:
4:01
